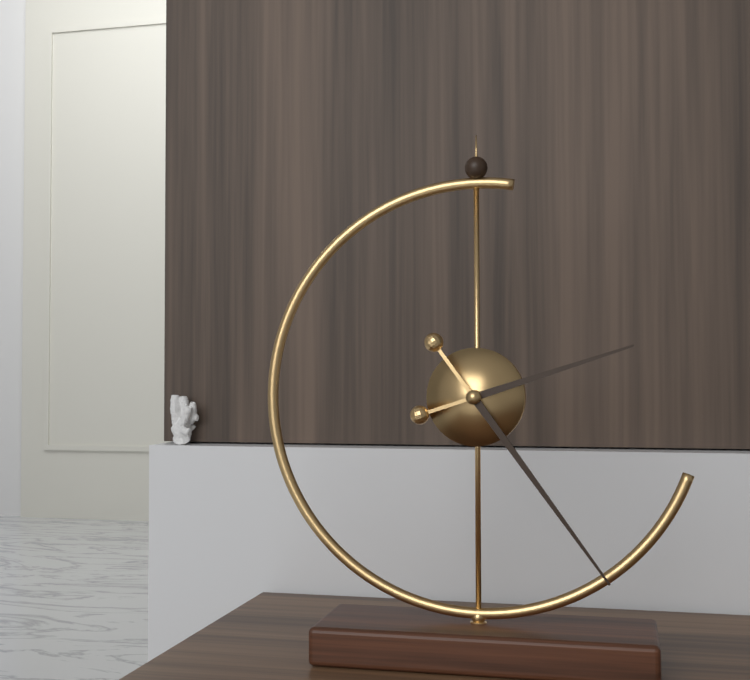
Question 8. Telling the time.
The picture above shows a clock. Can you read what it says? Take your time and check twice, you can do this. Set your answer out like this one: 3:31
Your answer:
2:24
